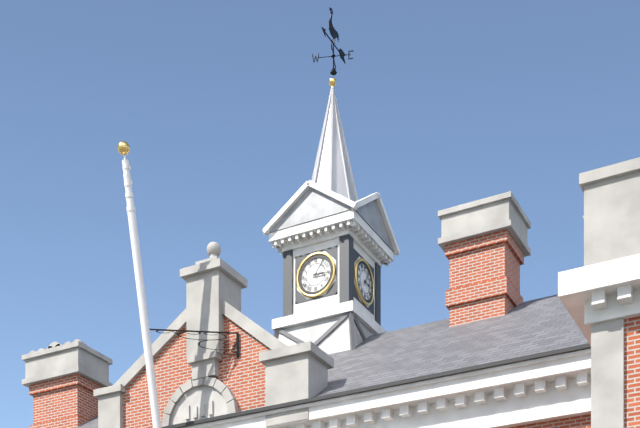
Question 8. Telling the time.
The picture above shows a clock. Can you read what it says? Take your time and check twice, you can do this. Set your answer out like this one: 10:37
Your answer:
3:06
